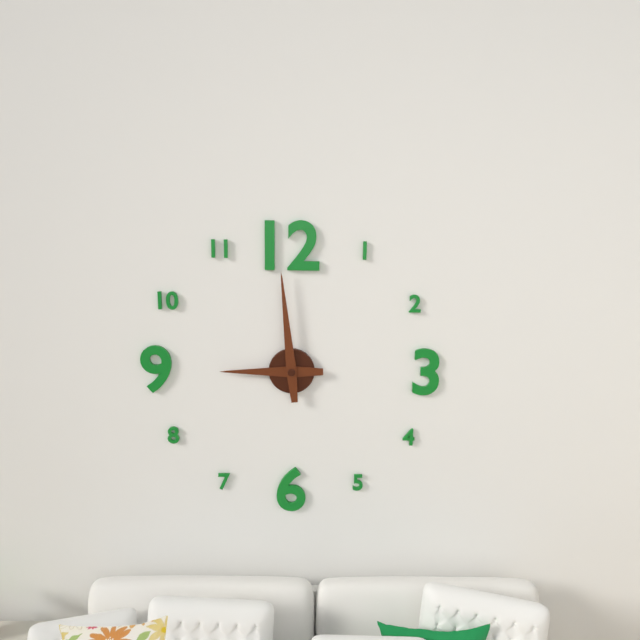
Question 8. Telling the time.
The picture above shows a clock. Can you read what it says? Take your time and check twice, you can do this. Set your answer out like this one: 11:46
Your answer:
8:59
